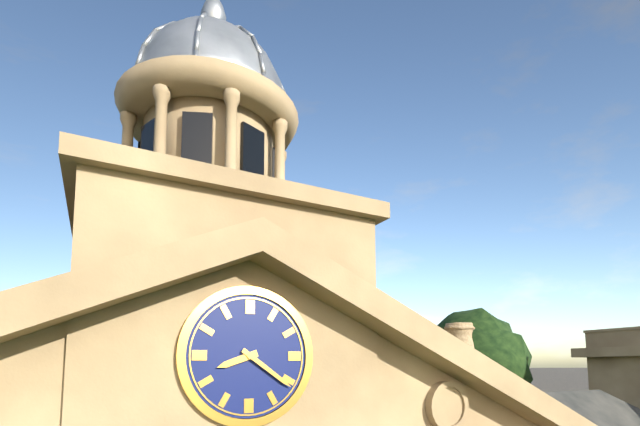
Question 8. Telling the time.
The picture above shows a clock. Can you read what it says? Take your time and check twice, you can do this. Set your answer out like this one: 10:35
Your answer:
8:21
